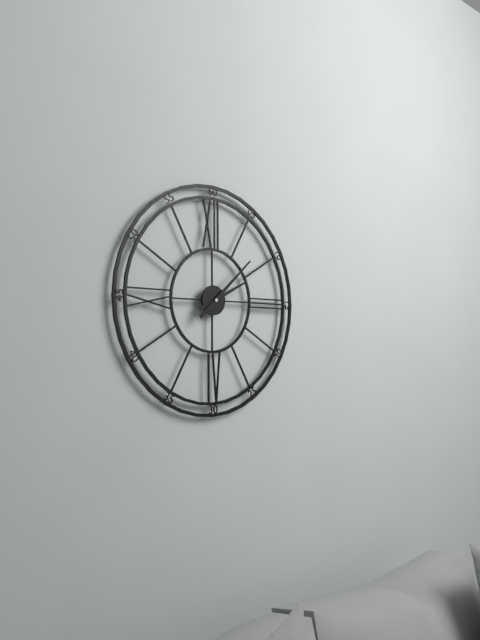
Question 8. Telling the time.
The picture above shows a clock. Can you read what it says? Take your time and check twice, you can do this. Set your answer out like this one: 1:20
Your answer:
2:08
